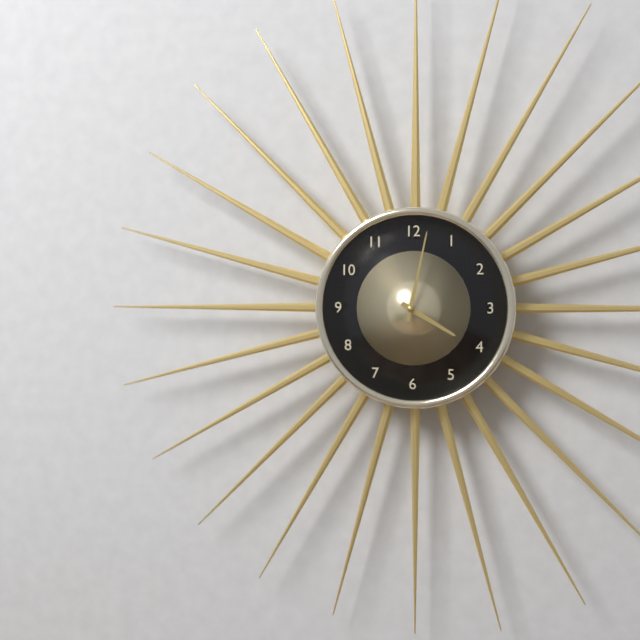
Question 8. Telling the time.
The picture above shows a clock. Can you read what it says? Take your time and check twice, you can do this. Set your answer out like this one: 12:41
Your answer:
4:02
